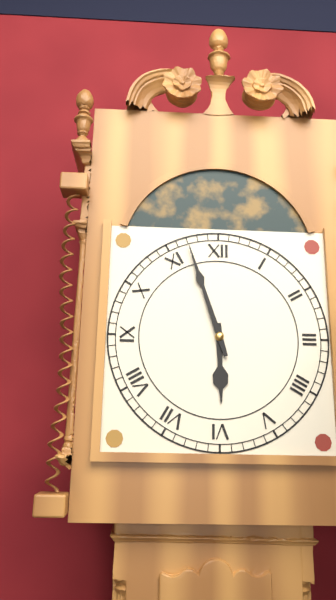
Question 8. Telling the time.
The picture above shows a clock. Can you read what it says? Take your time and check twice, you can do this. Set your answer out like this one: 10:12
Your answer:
5:57
